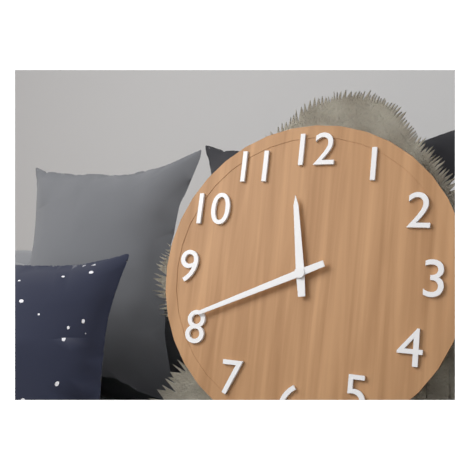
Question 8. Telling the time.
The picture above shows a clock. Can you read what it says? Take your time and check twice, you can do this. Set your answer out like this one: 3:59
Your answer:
11:41
